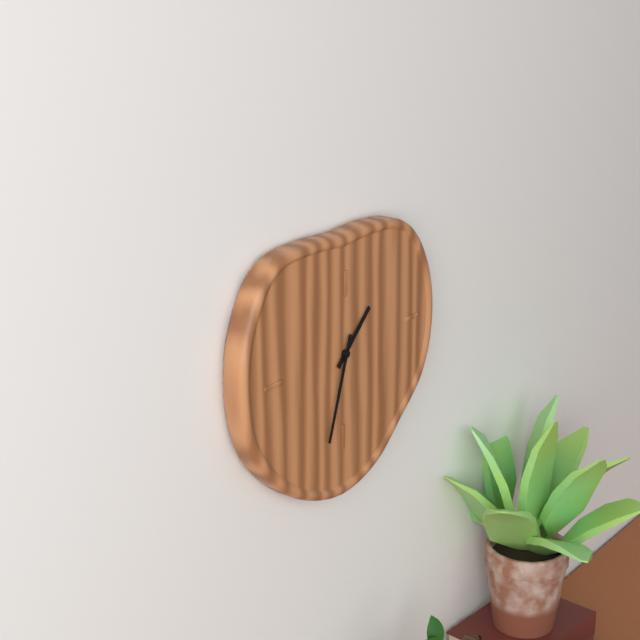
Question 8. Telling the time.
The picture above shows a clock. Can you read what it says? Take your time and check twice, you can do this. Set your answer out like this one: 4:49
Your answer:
1:33
